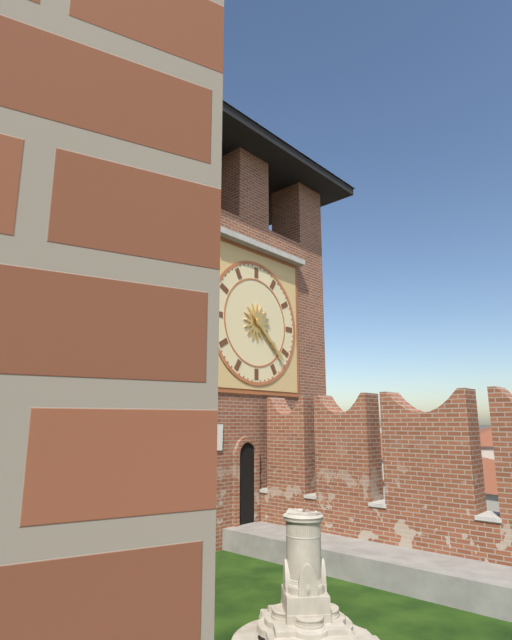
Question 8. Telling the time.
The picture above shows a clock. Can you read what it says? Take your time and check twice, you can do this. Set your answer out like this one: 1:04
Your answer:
4:22
